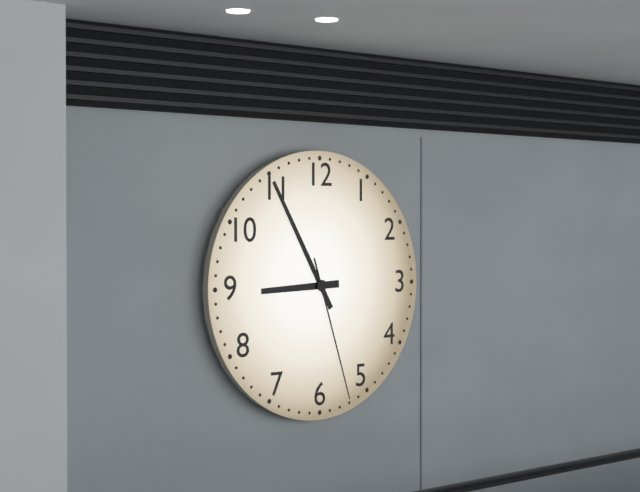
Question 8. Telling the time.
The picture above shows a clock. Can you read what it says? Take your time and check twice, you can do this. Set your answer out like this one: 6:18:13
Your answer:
8:55:27
